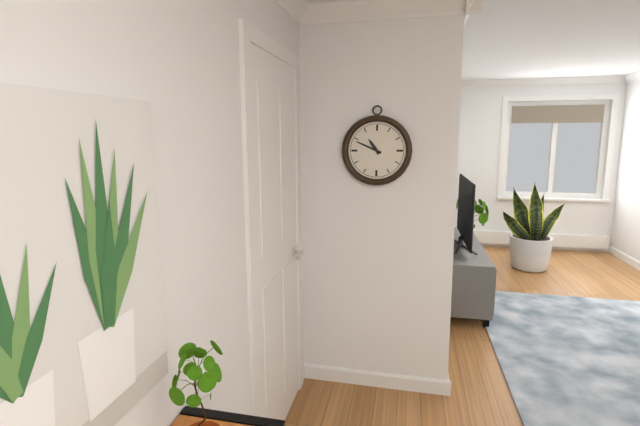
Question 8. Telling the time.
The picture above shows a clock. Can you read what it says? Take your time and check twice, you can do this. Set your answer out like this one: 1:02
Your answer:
10:49
